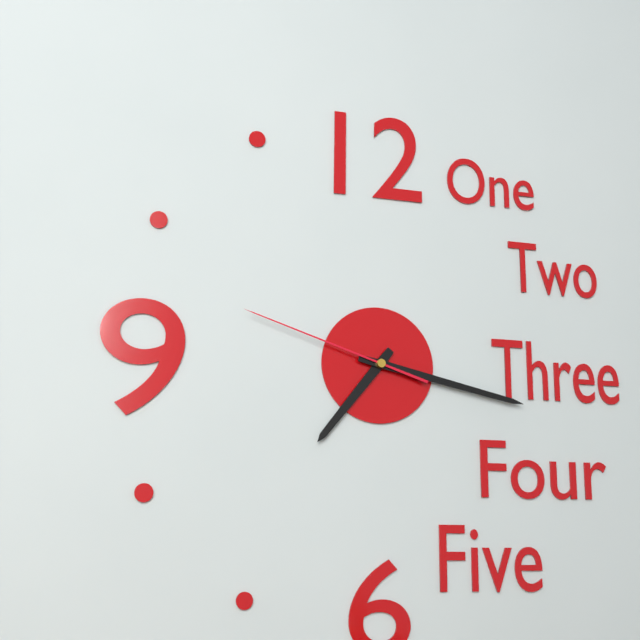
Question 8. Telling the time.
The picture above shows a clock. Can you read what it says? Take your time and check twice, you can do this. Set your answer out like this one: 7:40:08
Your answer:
7:17:48
